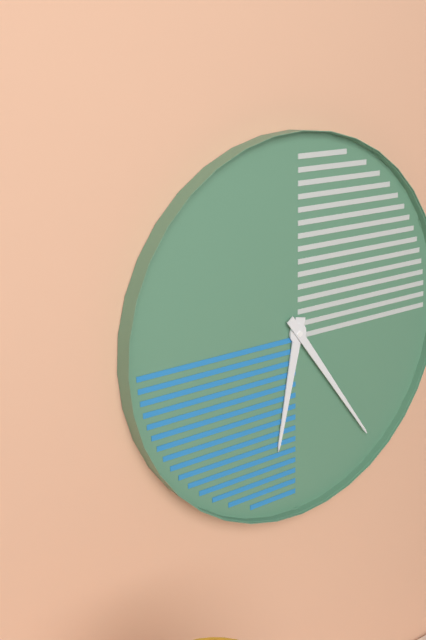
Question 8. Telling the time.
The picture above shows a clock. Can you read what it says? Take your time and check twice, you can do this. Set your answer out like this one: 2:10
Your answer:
6:24
